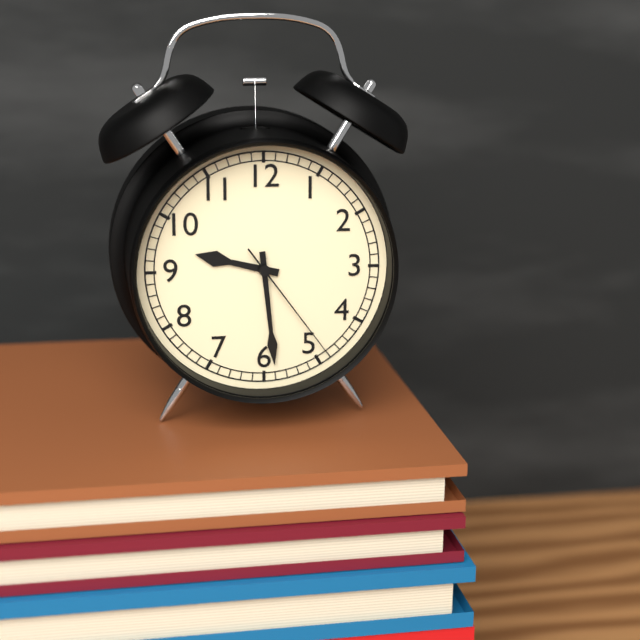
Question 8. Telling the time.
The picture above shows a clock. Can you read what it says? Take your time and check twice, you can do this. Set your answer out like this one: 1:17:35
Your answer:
9:29:24
